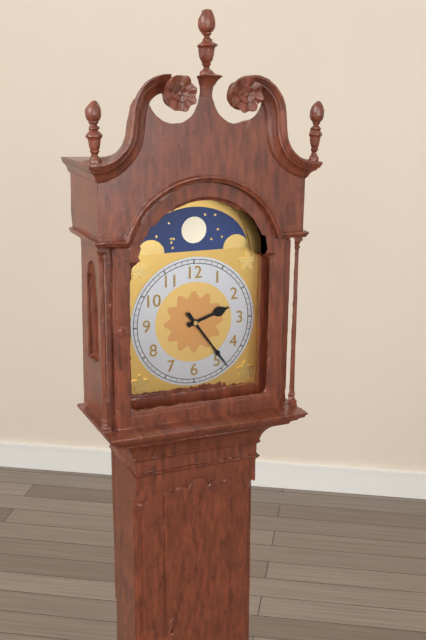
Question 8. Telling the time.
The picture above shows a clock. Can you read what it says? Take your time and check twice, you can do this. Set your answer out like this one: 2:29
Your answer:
2:24
